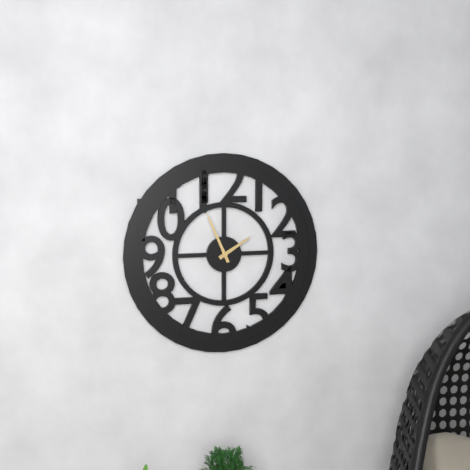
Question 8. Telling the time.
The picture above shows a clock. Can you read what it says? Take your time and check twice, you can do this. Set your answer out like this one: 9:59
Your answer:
1:56
